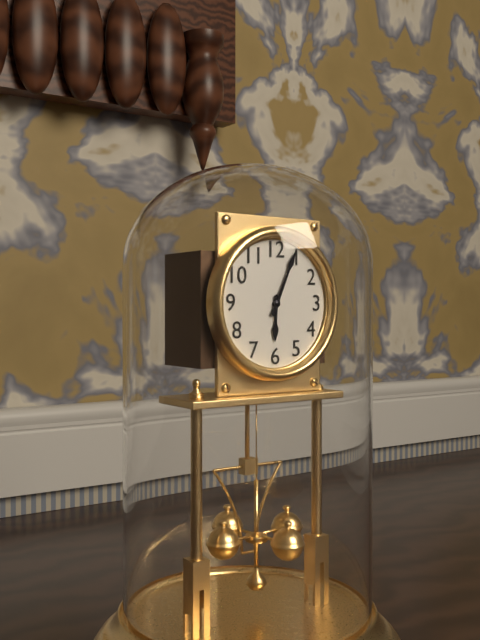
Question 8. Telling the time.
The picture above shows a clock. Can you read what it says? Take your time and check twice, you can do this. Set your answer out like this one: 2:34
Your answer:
6:04
